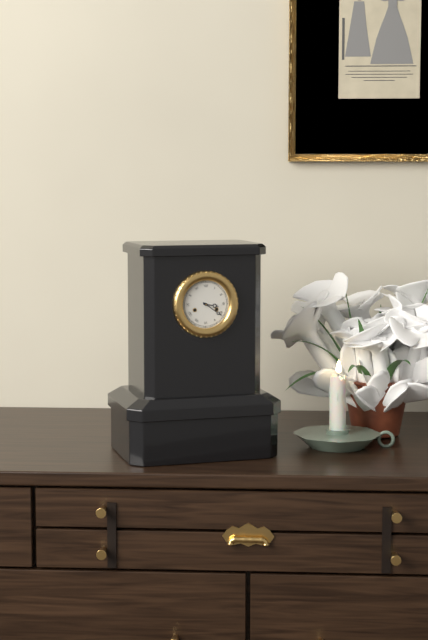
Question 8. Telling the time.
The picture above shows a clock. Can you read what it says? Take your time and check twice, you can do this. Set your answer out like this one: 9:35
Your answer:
3:21
